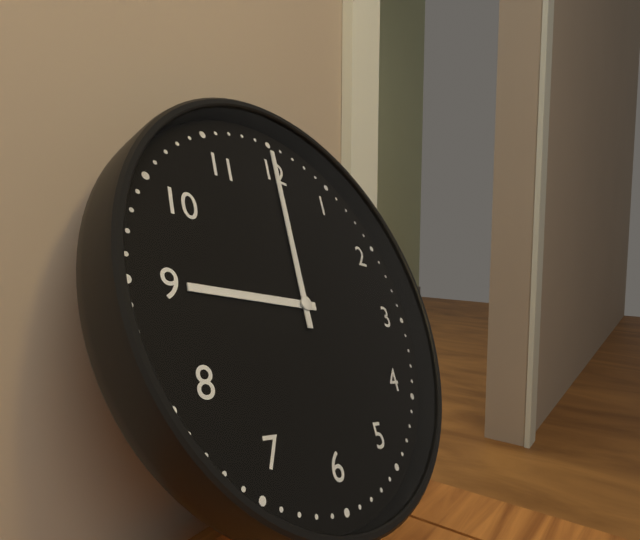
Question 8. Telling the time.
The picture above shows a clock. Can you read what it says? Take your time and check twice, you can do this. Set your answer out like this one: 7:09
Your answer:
9:00
